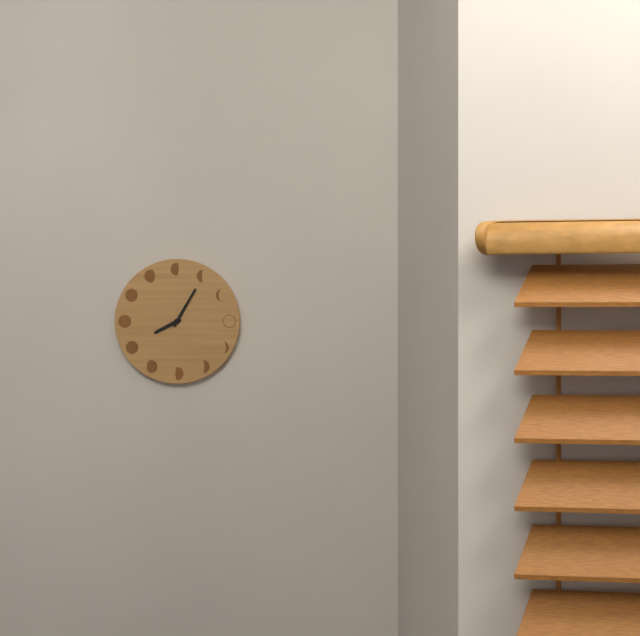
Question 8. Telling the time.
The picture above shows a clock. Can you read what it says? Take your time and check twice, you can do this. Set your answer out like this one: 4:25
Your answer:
8:05
